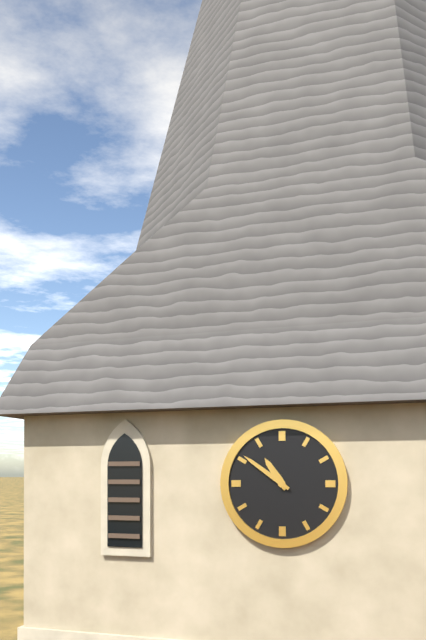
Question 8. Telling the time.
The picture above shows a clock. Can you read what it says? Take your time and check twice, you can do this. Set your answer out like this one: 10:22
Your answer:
10:51
